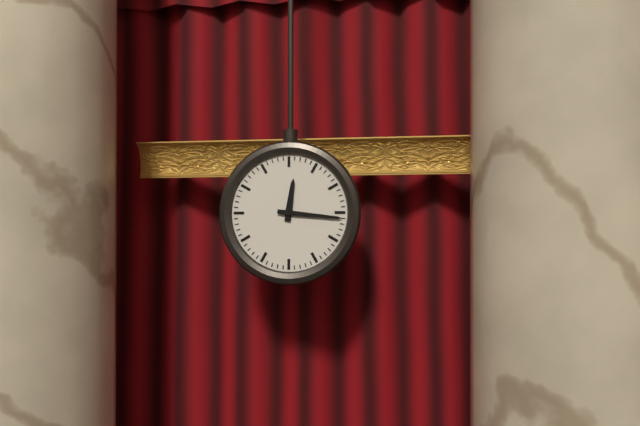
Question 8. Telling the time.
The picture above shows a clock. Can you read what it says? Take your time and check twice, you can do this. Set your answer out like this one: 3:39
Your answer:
12:16
